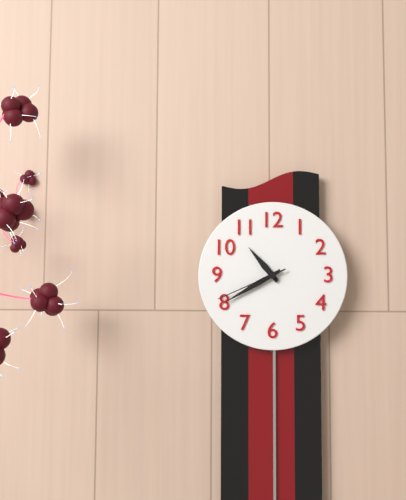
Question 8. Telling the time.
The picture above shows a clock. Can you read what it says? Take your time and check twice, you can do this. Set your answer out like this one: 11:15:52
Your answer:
10:40:41
